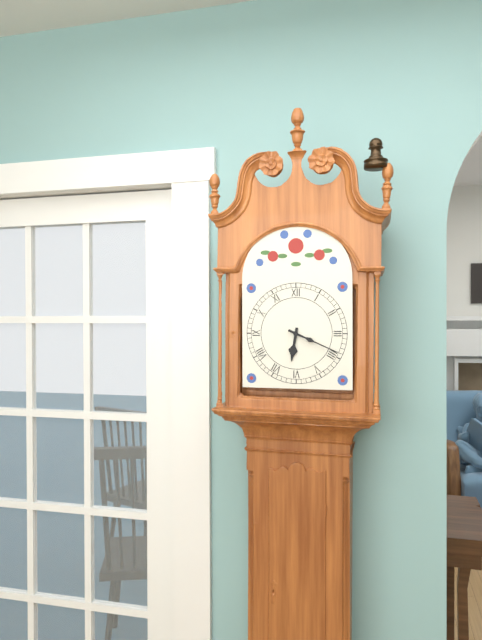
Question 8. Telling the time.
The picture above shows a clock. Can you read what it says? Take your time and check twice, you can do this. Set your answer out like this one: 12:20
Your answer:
6:19
